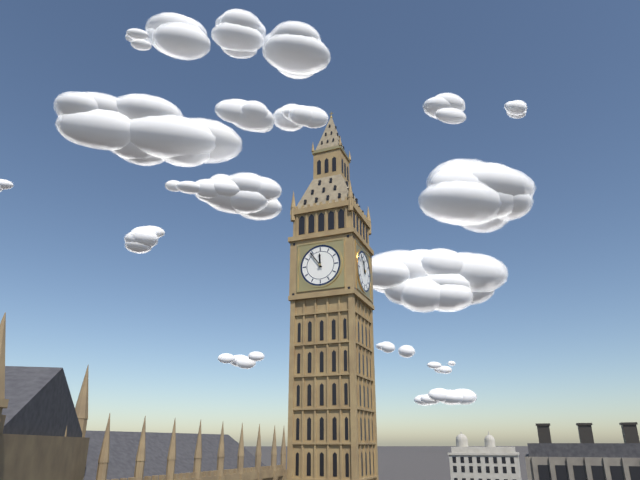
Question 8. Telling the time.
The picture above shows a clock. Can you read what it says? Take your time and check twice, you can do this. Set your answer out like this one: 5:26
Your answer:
11:54
